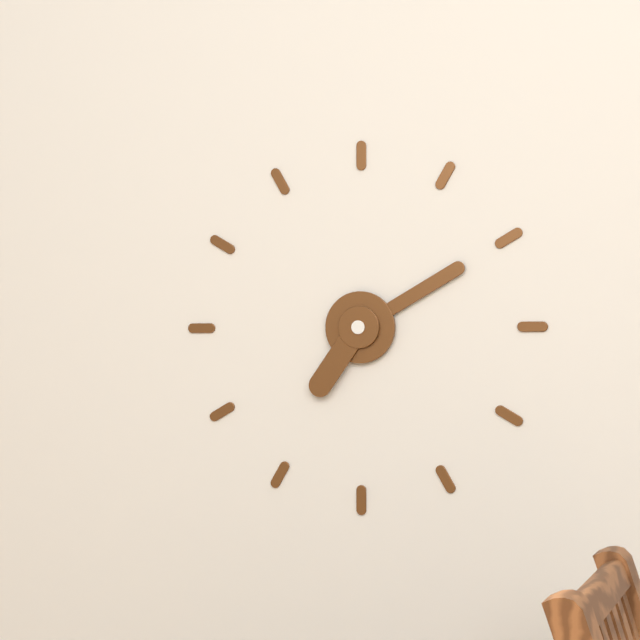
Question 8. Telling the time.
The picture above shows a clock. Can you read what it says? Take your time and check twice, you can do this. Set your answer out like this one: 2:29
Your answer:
7:10
